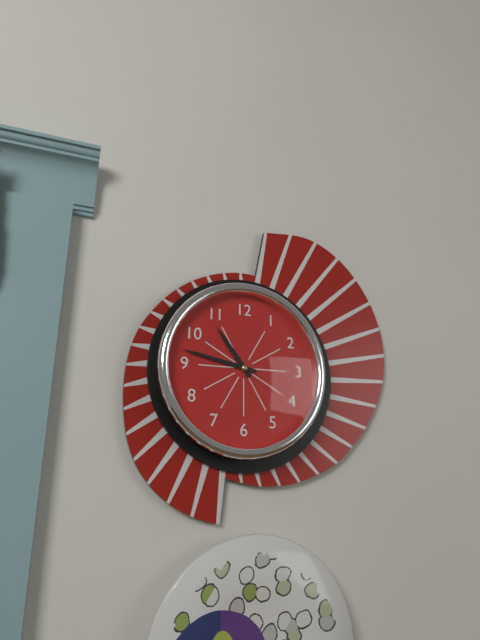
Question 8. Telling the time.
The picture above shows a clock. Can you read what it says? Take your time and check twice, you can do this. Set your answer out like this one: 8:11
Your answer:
10:47
